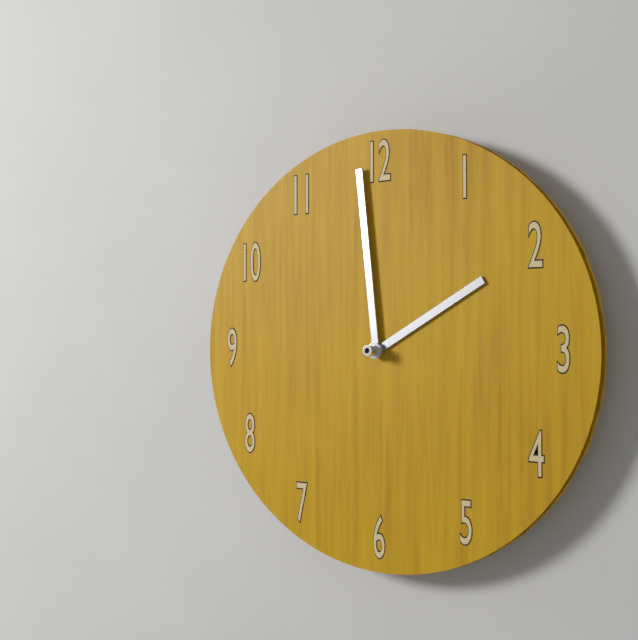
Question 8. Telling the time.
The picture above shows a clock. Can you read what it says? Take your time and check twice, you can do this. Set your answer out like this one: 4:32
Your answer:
1:59
